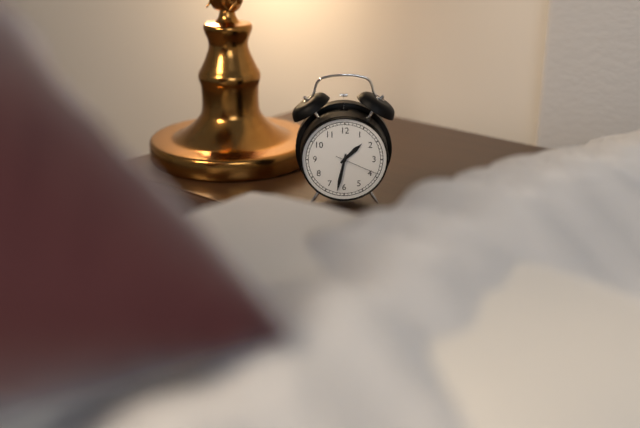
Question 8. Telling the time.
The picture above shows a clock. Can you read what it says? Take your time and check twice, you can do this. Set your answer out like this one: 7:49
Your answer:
1:32
